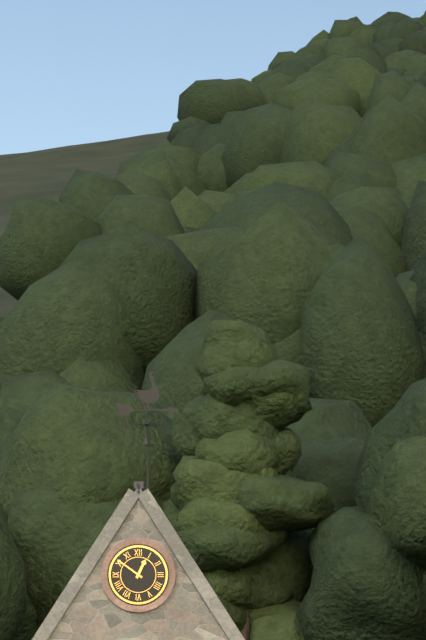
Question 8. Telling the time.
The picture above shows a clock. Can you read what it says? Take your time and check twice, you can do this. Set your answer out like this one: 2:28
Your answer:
12:51
